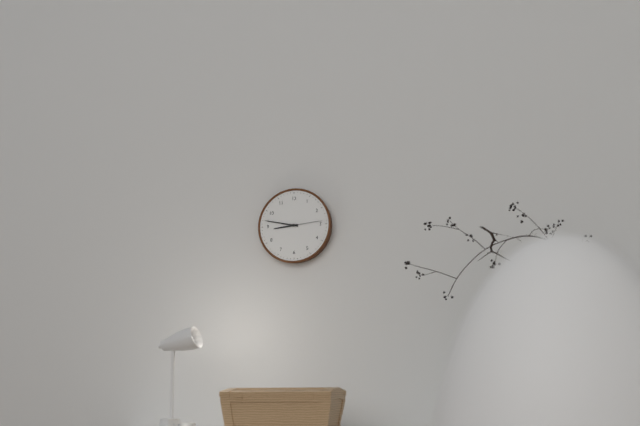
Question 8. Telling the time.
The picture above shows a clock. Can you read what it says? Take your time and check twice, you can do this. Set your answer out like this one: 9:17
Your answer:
8:47
